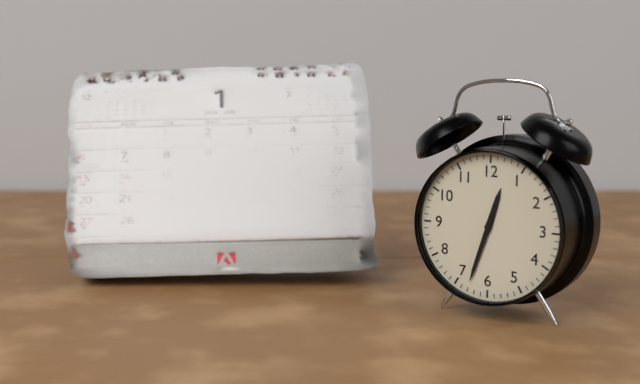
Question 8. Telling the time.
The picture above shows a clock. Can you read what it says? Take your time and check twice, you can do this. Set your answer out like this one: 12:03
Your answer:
12:33
